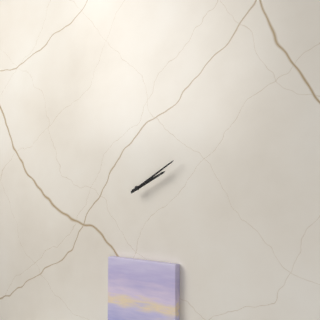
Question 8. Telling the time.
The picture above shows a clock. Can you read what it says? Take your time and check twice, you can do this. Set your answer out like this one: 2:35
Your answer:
2:10
